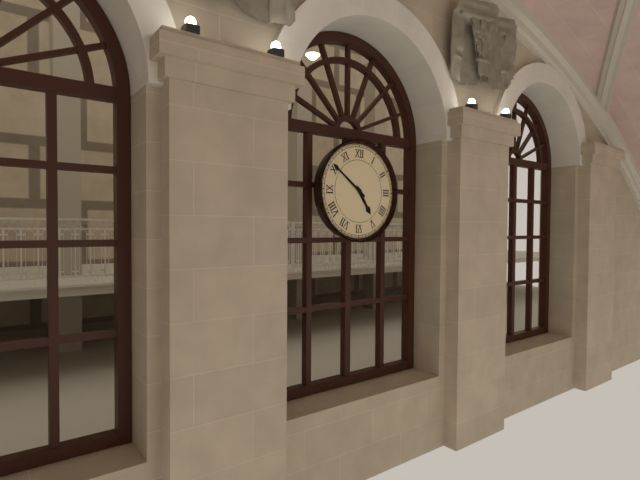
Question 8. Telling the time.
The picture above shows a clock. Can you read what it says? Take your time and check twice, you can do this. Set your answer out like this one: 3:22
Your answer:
4:51
